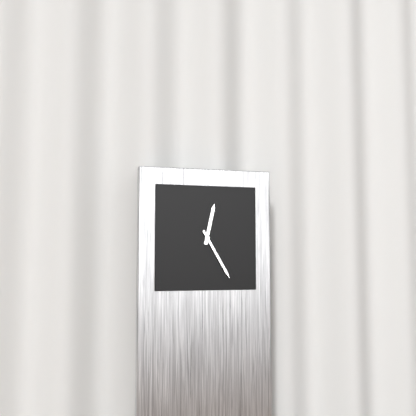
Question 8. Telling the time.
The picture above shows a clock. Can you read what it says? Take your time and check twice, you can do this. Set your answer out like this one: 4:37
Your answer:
12:25
